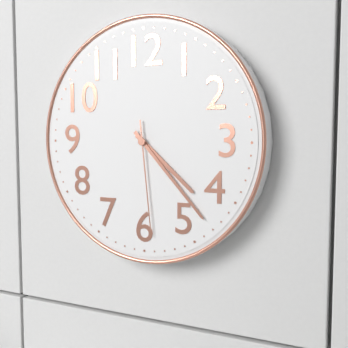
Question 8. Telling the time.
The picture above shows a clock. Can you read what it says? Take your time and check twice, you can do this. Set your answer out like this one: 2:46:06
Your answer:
4:23:29
